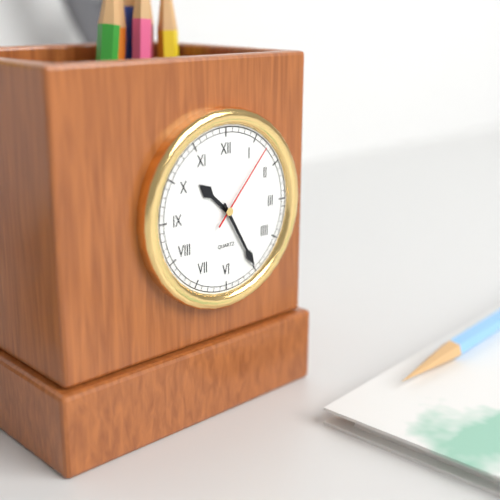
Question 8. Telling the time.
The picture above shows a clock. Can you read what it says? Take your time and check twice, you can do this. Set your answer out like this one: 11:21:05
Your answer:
10:25:07
